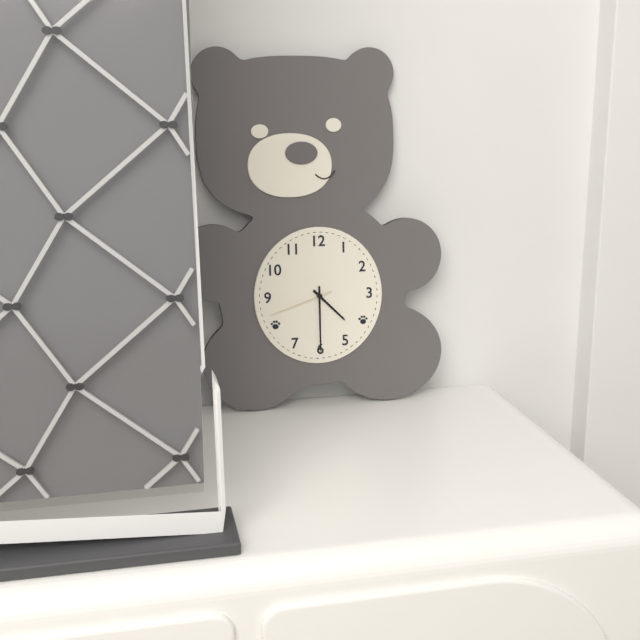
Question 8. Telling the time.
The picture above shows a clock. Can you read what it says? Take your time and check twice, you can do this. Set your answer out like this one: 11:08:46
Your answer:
4:30:42
